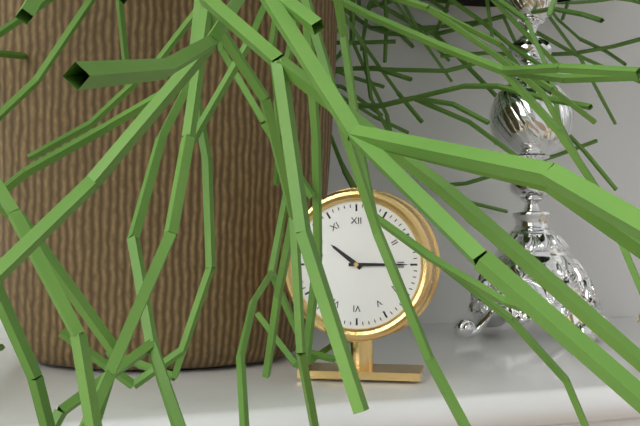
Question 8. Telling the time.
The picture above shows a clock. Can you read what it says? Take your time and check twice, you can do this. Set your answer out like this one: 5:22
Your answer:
10:15
